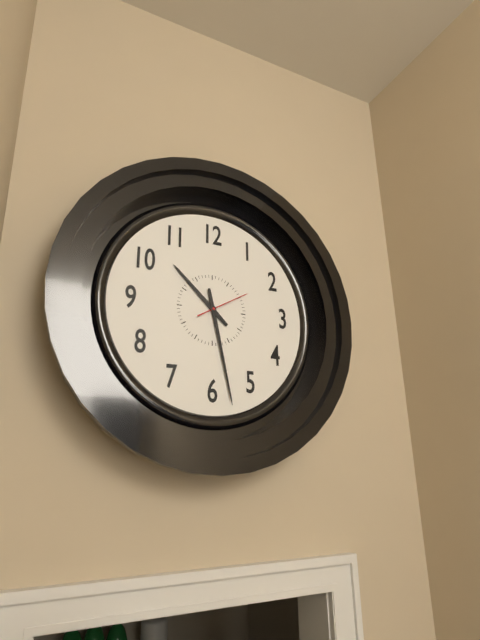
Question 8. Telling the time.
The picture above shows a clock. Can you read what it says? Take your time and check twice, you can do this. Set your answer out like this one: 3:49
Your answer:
10:28
